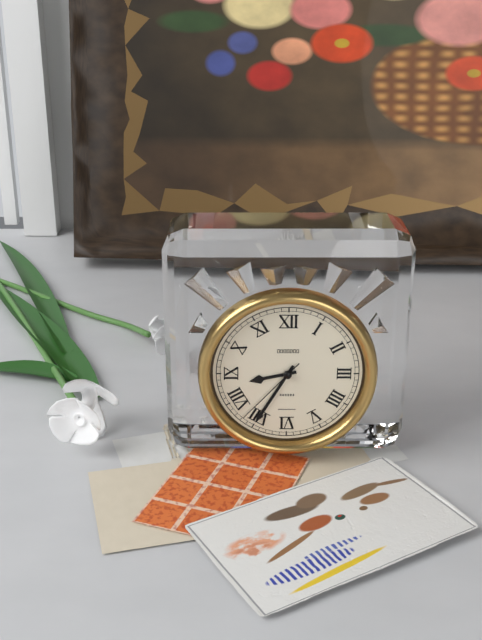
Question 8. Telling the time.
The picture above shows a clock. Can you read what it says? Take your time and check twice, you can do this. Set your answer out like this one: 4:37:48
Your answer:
8:35:37
